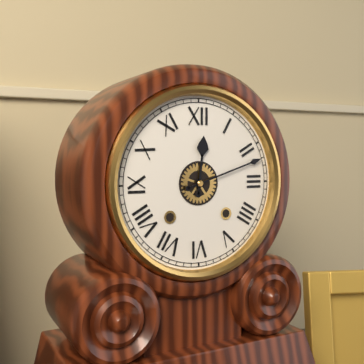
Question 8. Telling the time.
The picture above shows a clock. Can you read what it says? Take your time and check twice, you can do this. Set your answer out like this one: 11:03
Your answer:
12:12
